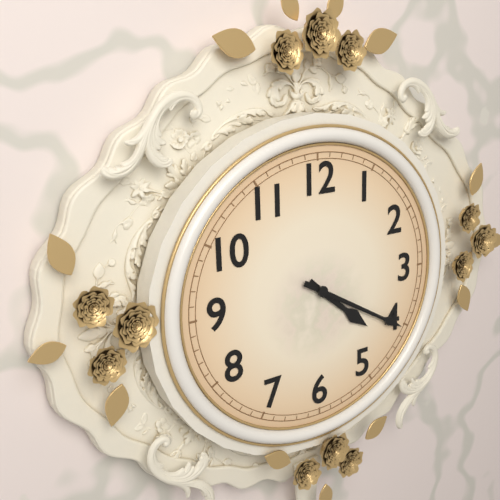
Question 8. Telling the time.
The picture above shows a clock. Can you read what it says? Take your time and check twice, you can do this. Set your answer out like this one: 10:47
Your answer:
4:20
